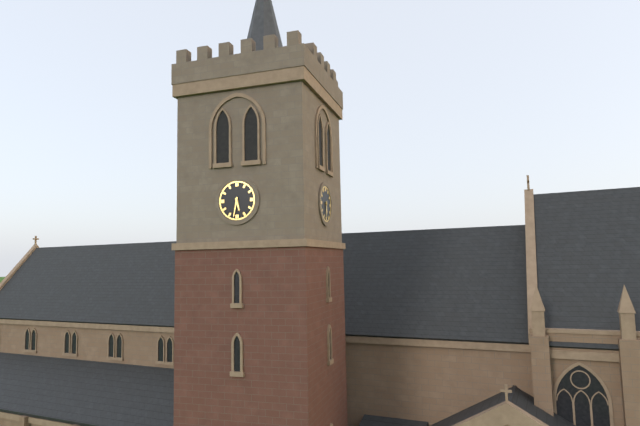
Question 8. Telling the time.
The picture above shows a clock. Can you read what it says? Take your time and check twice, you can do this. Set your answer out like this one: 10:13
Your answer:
5:32
